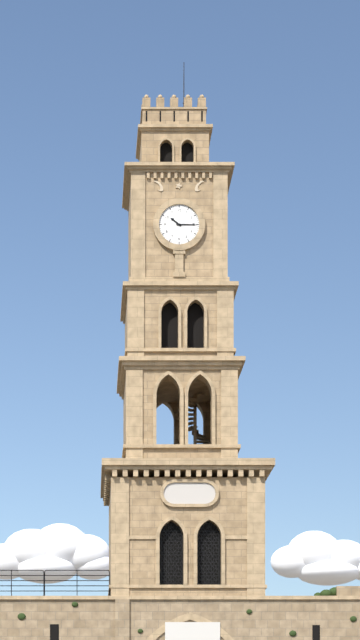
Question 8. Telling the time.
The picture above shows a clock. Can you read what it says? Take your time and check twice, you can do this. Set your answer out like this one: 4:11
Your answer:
10:15
